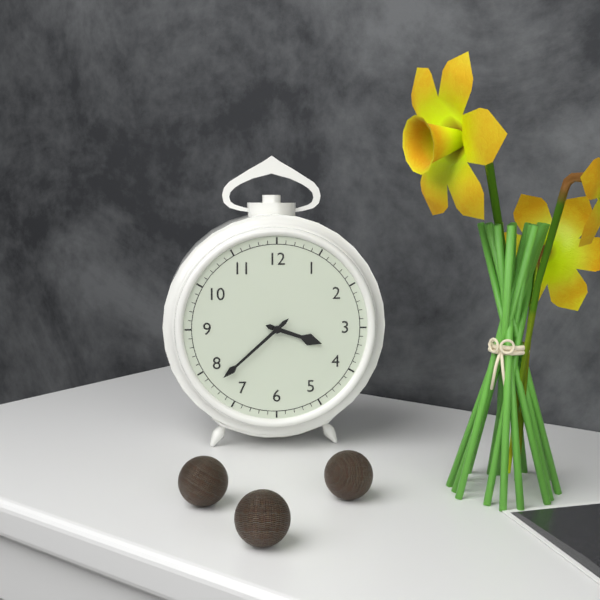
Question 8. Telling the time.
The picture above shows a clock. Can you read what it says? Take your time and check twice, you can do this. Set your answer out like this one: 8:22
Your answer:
3:38
